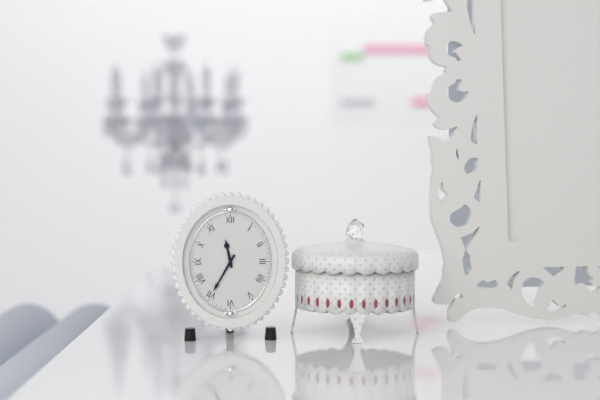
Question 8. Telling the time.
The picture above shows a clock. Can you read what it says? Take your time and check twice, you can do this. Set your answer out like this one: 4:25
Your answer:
11:35
